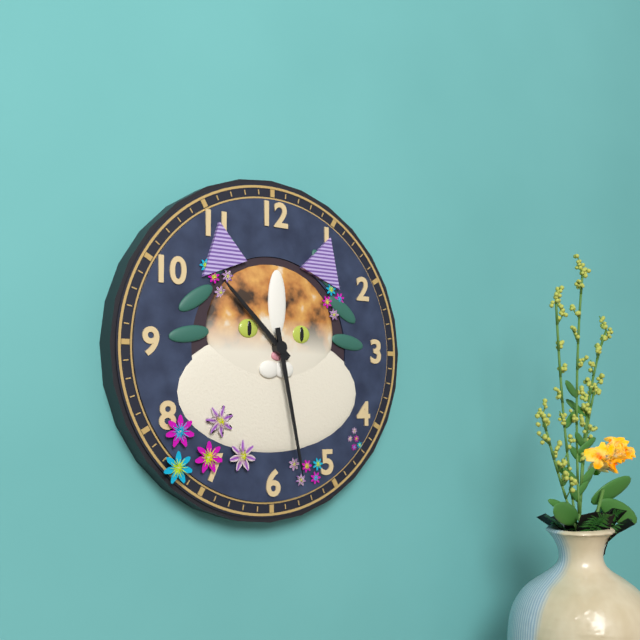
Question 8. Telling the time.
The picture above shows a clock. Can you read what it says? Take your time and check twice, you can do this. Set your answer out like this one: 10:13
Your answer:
10:28
